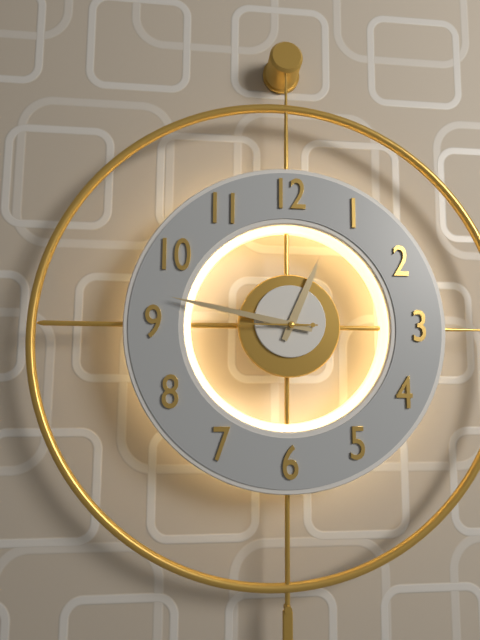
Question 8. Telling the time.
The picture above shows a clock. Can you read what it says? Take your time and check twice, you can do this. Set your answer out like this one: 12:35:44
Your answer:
12:47:45
